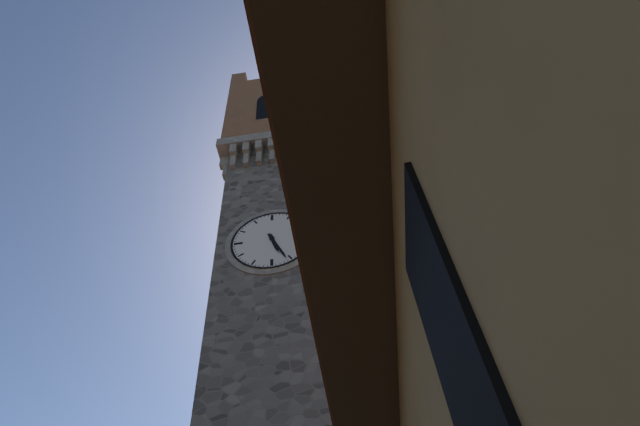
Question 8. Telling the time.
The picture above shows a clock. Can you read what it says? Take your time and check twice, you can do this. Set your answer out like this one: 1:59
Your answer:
5:26
